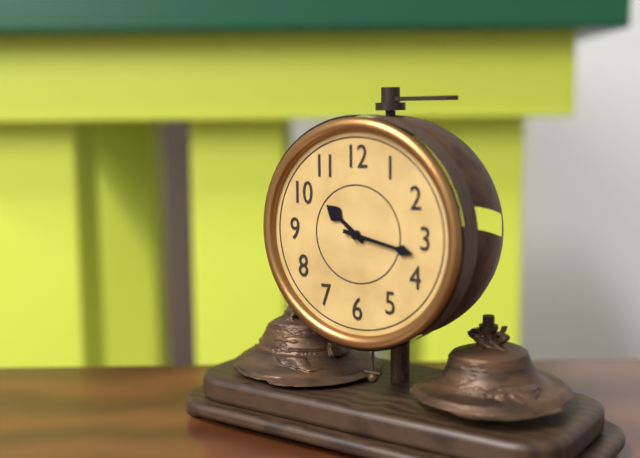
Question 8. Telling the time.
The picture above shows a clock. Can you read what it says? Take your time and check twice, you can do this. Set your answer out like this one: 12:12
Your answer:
10:17
